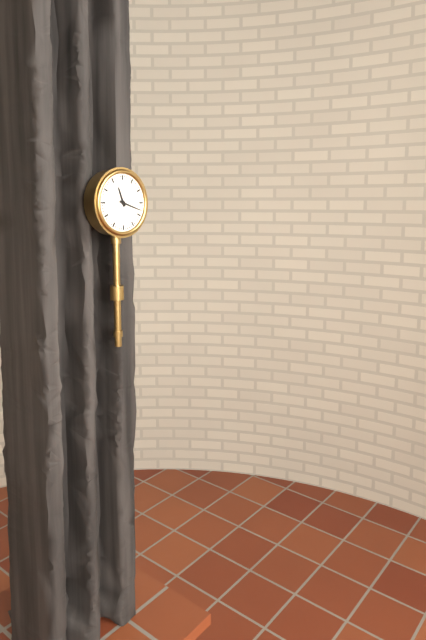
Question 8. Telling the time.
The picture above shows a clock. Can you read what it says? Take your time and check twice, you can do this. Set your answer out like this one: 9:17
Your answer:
11:18
